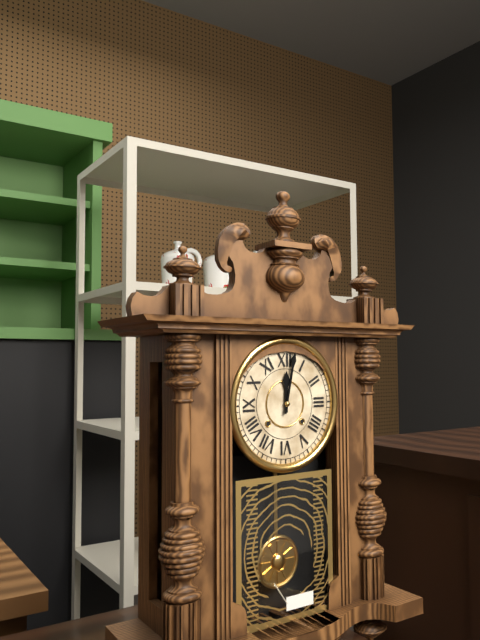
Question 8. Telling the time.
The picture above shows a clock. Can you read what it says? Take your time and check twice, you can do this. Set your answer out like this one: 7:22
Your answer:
12:02
